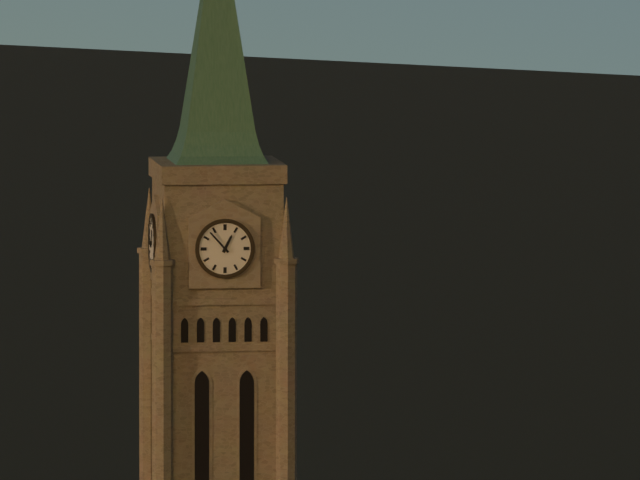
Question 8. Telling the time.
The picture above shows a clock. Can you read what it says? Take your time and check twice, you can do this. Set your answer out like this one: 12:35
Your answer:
12:53
